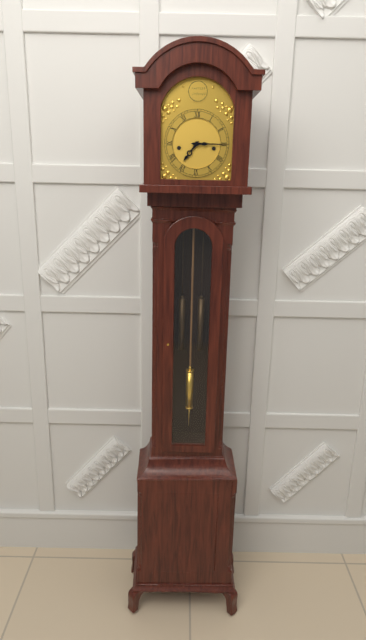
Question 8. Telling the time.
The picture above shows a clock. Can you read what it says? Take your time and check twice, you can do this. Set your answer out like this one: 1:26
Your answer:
7:15
